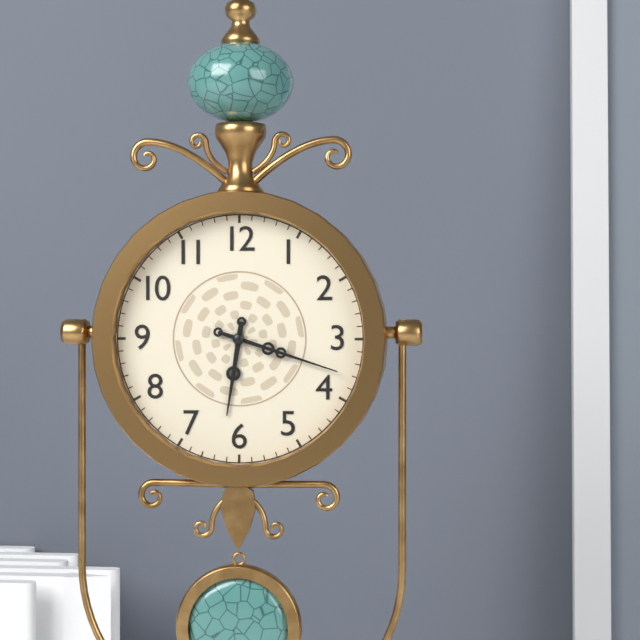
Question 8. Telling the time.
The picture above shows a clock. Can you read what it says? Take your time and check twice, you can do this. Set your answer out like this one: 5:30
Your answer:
6:18
